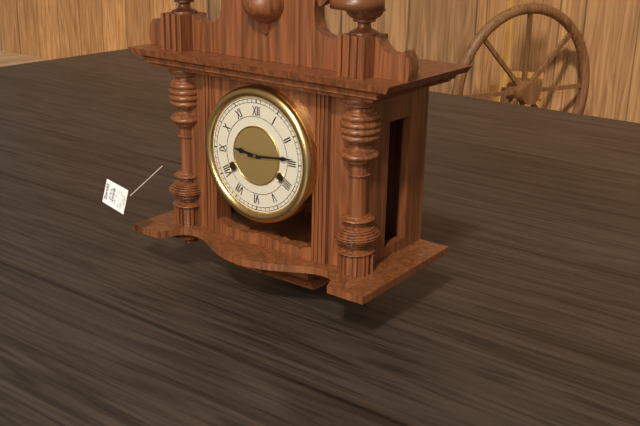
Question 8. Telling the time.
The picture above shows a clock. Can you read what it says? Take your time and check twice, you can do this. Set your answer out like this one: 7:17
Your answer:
9:14
